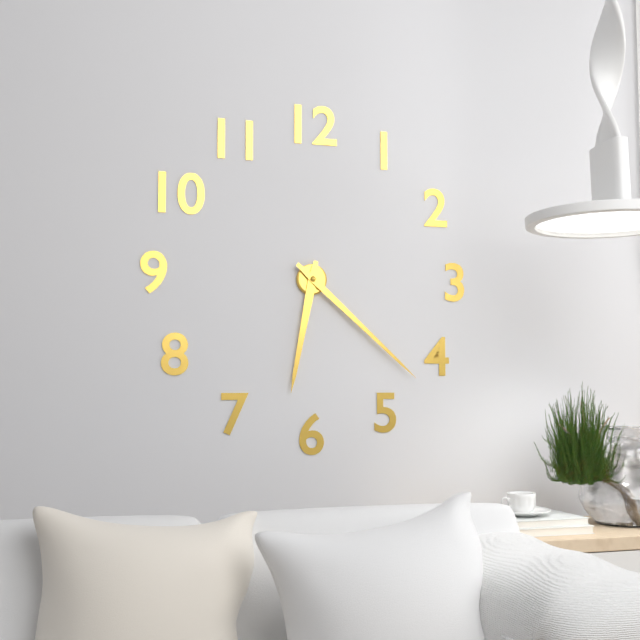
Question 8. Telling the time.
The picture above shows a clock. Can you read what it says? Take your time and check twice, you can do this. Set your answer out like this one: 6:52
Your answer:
6:22
